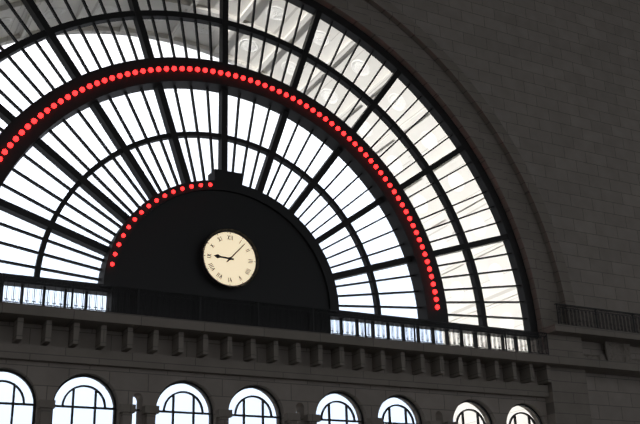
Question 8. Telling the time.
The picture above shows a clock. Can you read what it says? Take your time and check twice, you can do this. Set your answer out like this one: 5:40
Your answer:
9:07
